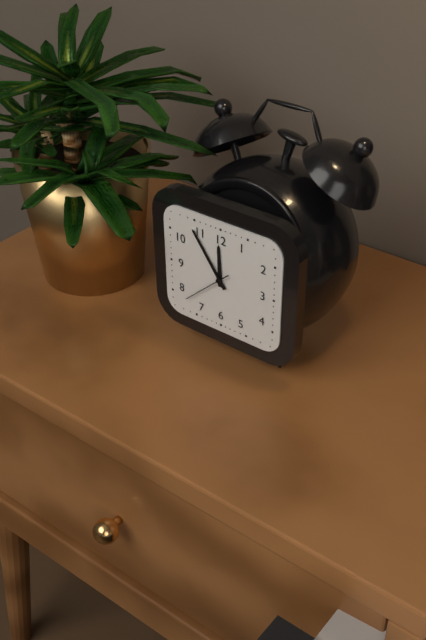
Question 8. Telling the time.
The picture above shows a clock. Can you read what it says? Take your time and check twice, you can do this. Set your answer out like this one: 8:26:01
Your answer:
11:54:38
